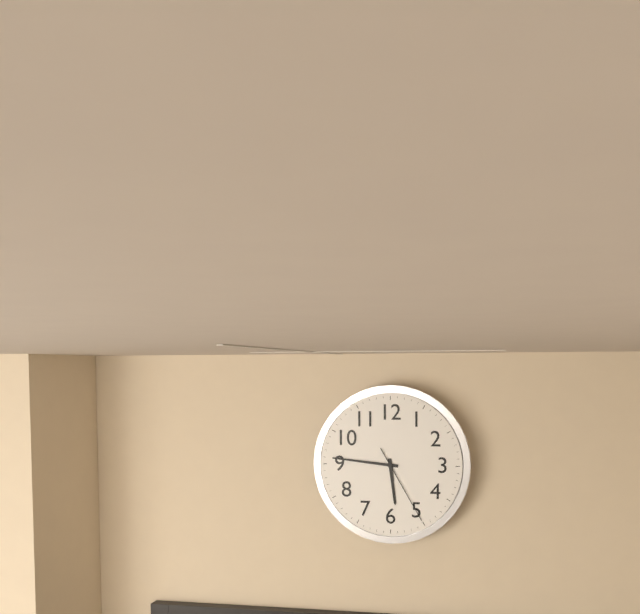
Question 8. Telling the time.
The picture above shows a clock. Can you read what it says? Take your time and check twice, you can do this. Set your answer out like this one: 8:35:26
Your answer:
5:46:25
